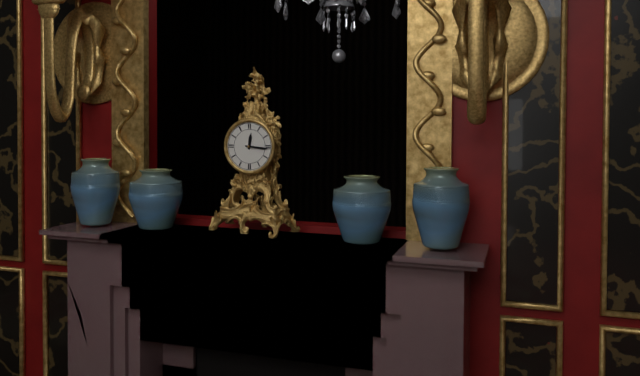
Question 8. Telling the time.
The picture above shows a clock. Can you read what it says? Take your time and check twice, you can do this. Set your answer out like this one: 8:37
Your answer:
12:16
